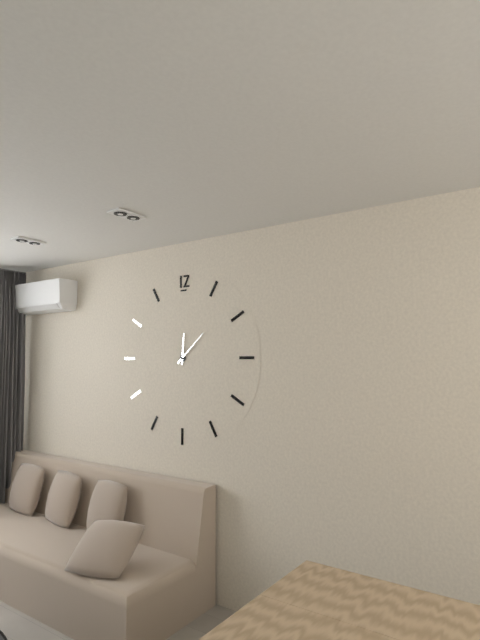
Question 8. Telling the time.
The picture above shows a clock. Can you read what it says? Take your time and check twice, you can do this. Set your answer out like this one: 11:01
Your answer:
12:08
